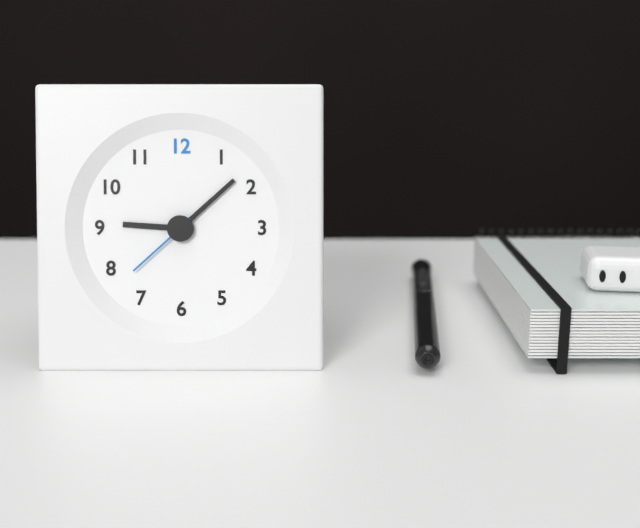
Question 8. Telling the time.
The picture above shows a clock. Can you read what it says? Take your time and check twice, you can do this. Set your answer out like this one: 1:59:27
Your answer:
9:08:38
